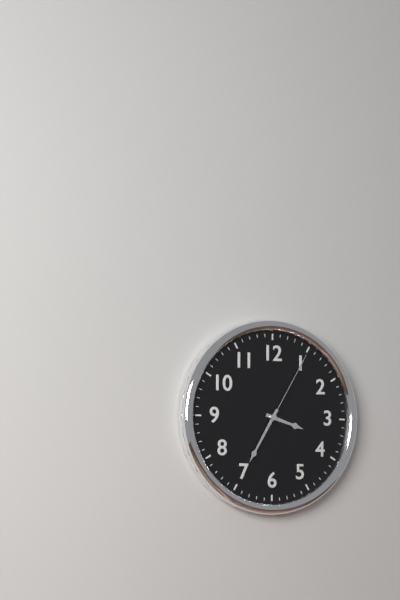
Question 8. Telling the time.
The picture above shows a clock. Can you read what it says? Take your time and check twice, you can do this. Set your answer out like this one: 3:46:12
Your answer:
3:35:05
